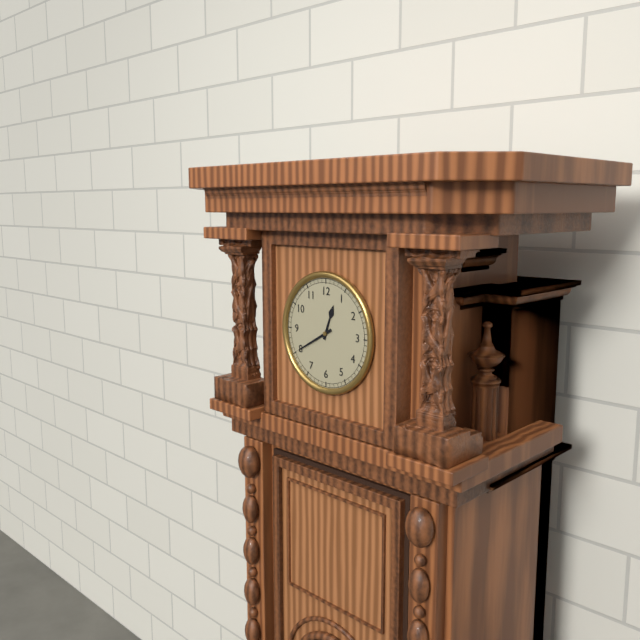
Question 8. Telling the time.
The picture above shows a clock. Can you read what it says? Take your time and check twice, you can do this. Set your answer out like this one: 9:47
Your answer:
12:40
